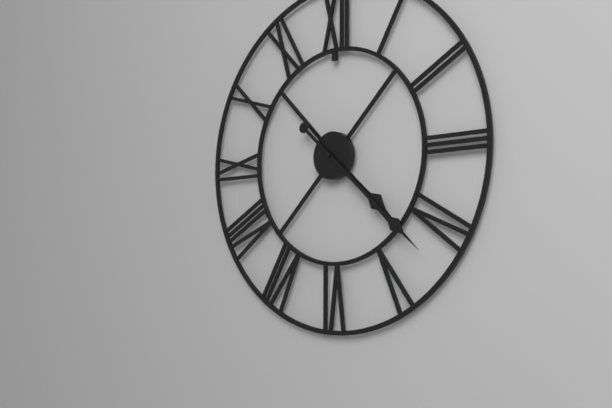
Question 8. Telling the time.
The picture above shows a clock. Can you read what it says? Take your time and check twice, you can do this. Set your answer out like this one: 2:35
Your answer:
4:22
